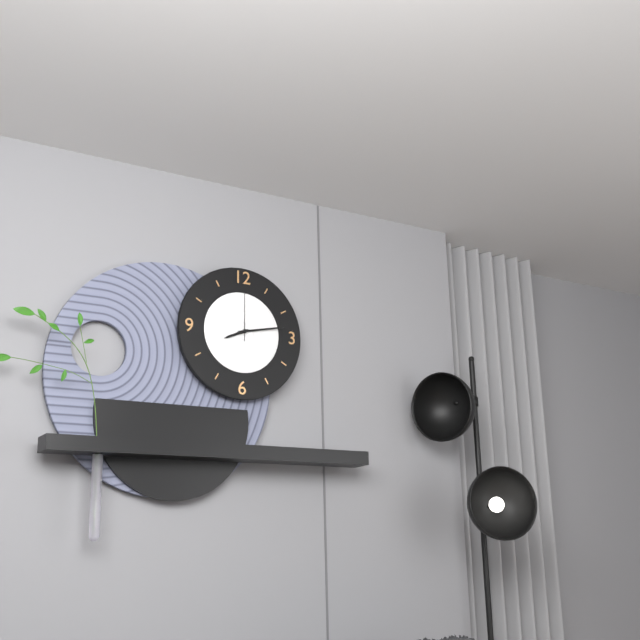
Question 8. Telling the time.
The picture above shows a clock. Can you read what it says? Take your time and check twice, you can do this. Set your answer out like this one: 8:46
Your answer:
8:13
